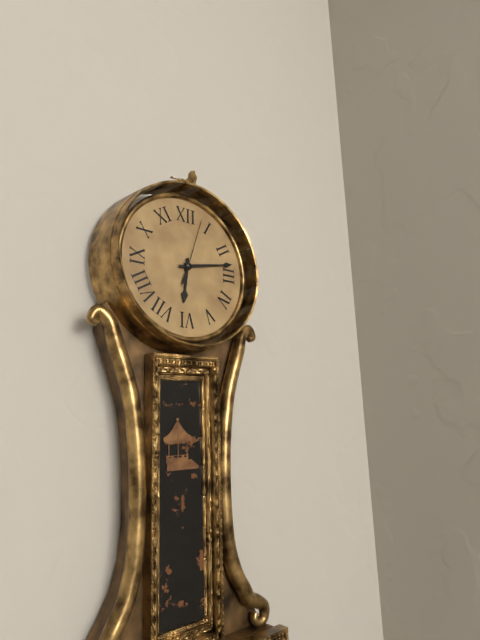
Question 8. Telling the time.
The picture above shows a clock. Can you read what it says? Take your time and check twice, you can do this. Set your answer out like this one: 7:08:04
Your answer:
6:13:03
